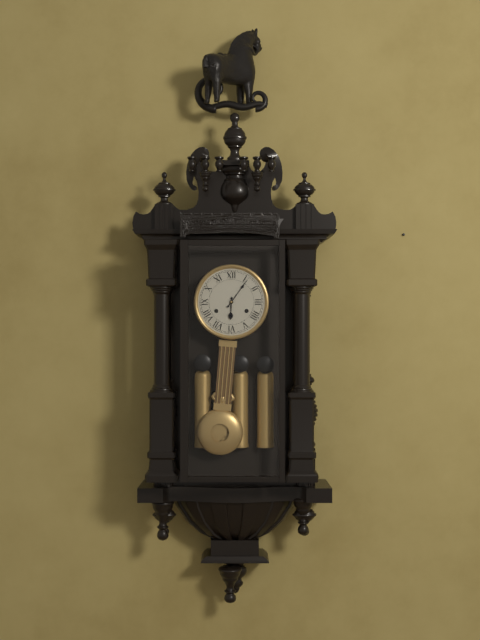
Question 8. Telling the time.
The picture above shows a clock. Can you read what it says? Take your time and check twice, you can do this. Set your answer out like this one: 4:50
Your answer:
6:06
